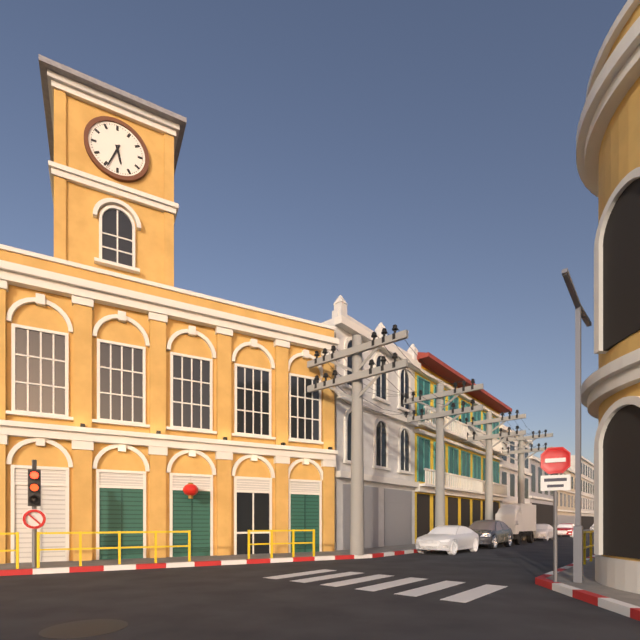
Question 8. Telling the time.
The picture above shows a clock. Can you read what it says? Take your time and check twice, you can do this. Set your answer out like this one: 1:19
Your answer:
5:34
